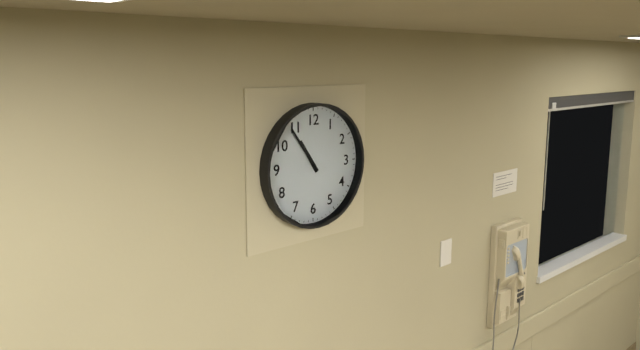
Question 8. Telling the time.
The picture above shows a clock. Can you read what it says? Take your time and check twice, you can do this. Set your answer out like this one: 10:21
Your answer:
10:54
